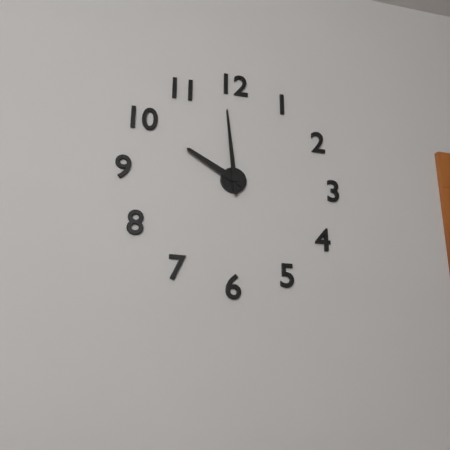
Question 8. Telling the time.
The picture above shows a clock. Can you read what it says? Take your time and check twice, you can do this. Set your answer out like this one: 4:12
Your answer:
9:59
